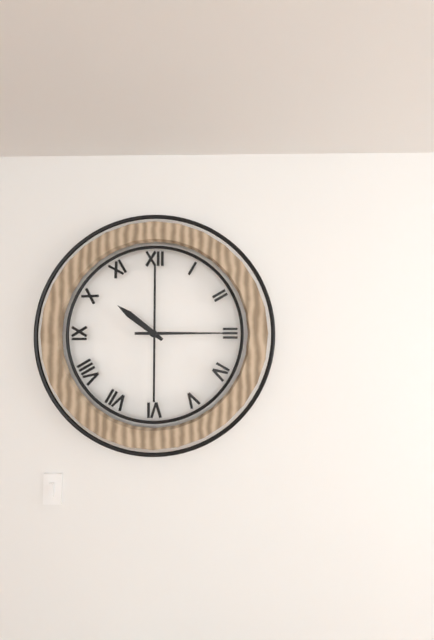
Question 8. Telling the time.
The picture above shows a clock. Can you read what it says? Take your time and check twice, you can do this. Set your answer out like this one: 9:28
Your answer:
10:15
